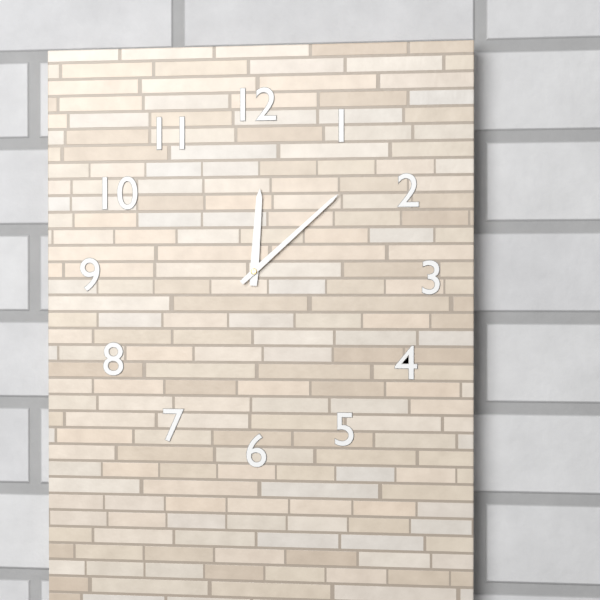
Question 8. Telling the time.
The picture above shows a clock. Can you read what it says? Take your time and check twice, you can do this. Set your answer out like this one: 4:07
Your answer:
12:08
